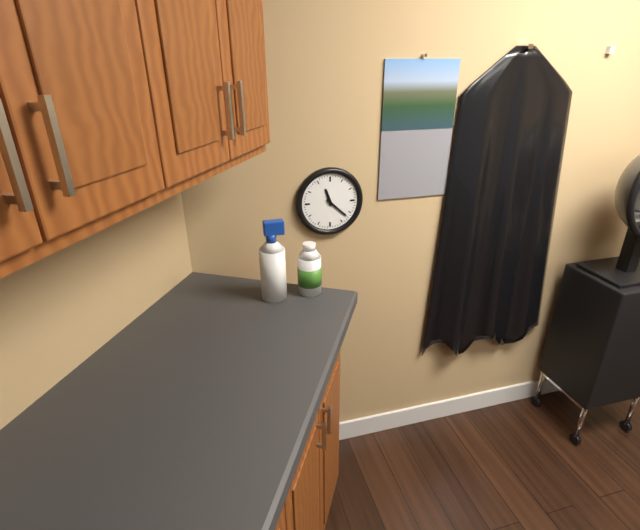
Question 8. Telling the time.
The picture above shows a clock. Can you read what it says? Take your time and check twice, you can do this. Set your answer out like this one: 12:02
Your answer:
11:22
